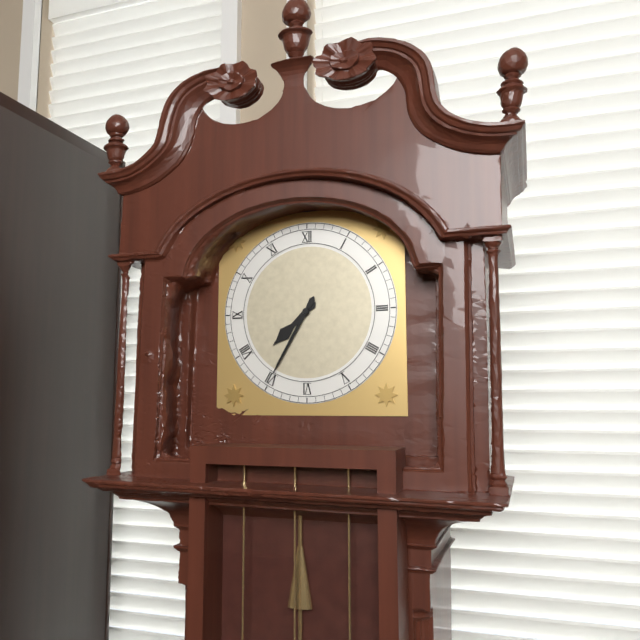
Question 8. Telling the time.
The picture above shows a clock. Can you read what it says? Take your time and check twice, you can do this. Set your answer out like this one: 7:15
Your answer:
7:35
